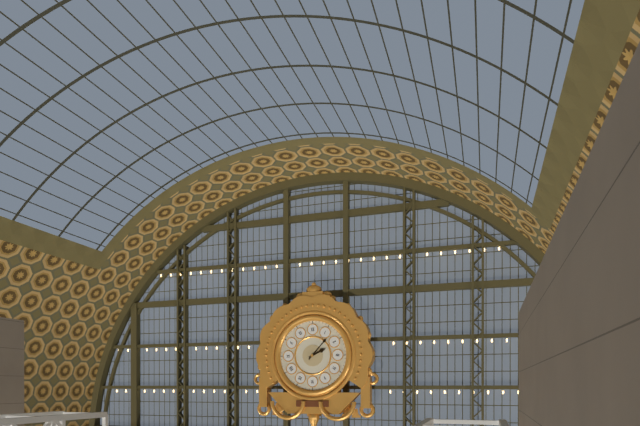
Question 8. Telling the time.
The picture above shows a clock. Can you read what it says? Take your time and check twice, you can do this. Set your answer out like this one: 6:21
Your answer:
2:07
